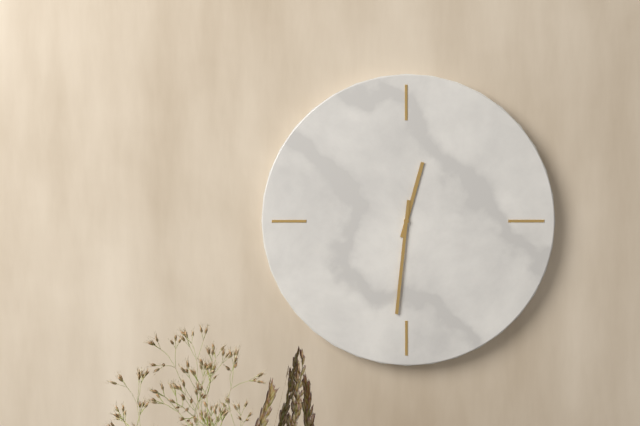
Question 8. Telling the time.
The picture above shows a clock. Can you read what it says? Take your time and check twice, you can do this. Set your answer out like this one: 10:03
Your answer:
12:31
